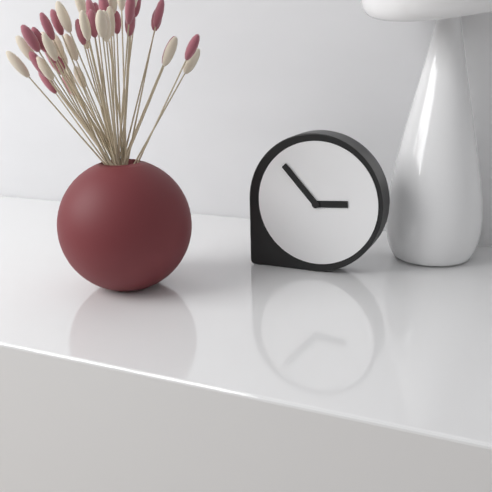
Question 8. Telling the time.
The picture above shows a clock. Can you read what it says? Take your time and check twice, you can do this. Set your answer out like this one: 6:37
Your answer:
2:53
